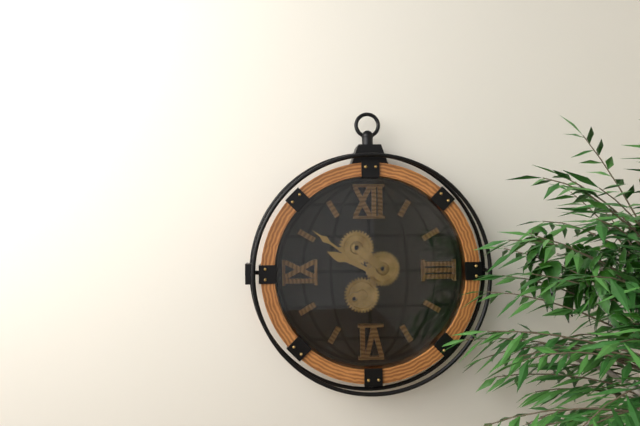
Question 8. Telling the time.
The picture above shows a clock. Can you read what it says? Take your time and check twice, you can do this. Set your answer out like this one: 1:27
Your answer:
9:51
